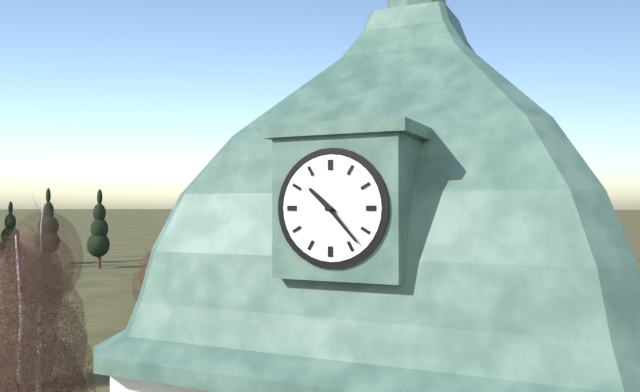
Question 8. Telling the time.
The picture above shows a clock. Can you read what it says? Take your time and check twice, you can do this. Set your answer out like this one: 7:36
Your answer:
10:23
